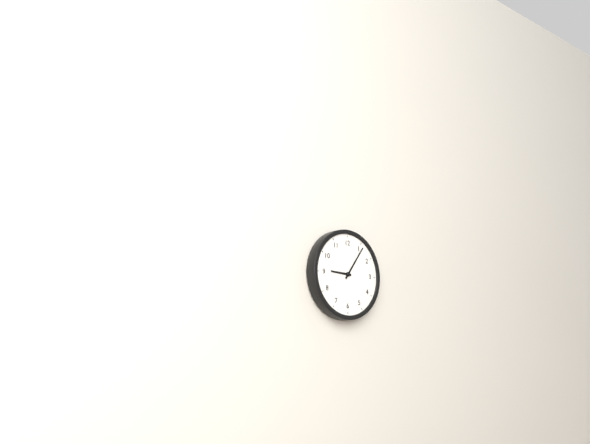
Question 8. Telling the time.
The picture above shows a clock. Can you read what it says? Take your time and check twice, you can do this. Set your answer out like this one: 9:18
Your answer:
9:06
